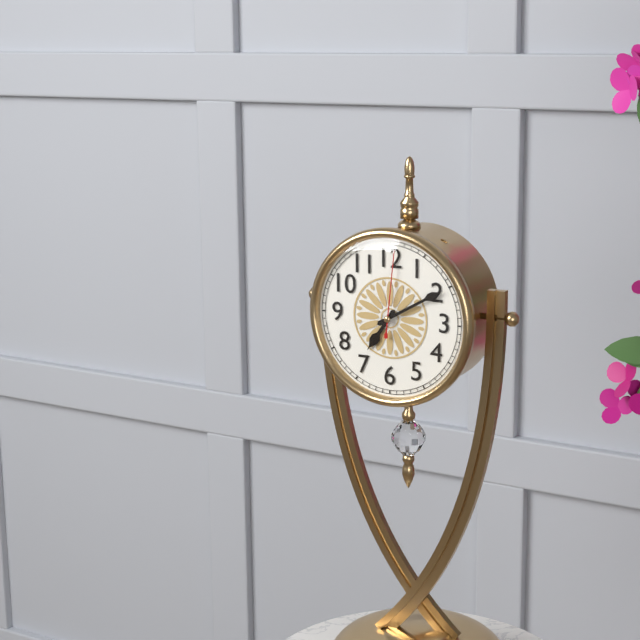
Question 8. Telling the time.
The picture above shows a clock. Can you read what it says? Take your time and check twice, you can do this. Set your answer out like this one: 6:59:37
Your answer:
7:10:01
